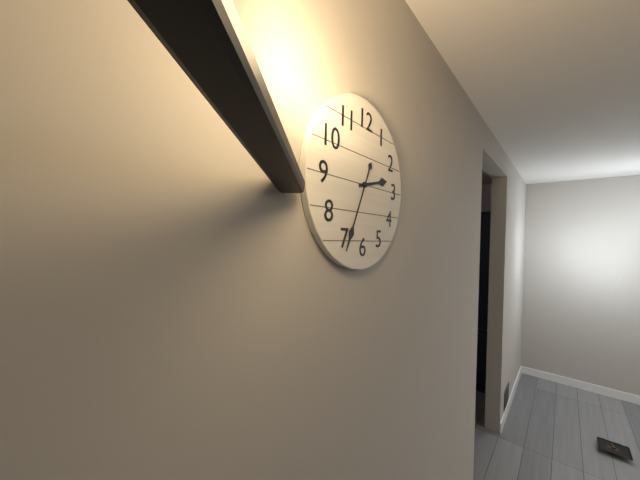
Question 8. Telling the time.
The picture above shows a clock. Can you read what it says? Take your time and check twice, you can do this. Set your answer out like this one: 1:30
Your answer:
2:34
